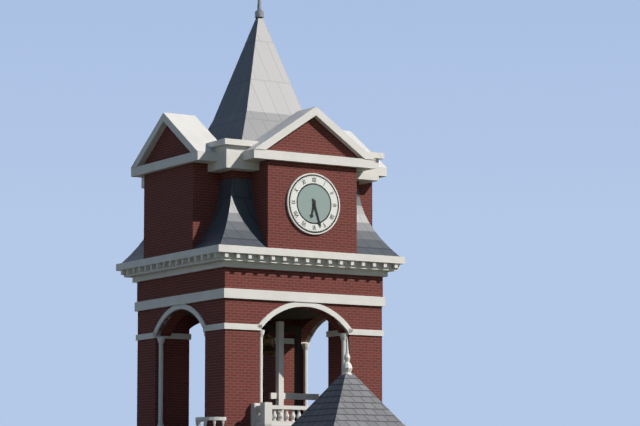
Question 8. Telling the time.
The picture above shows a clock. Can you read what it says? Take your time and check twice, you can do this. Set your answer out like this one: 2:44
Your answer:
6:27
